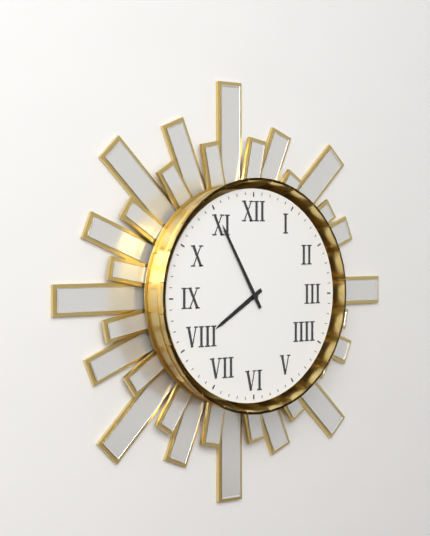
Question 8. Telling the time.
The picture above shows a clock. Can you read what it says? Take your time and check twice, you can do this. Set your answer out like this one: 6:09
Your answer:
7:55
